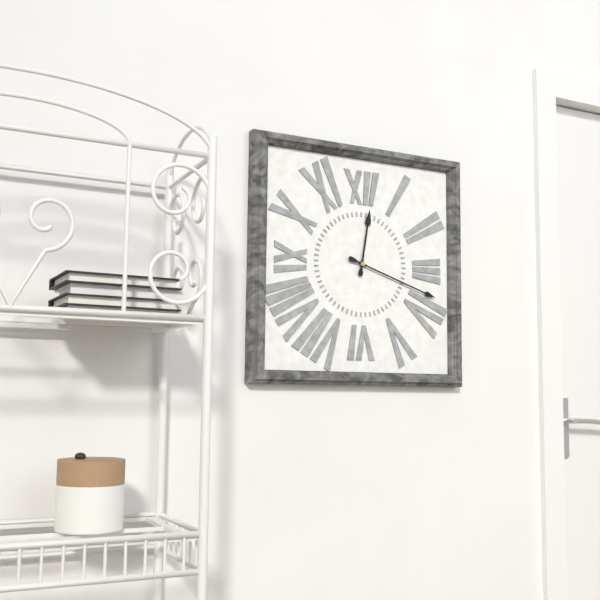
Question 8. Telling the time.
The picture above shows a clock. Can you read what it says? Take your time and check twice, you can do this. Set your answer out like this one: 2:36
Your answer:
12:18
